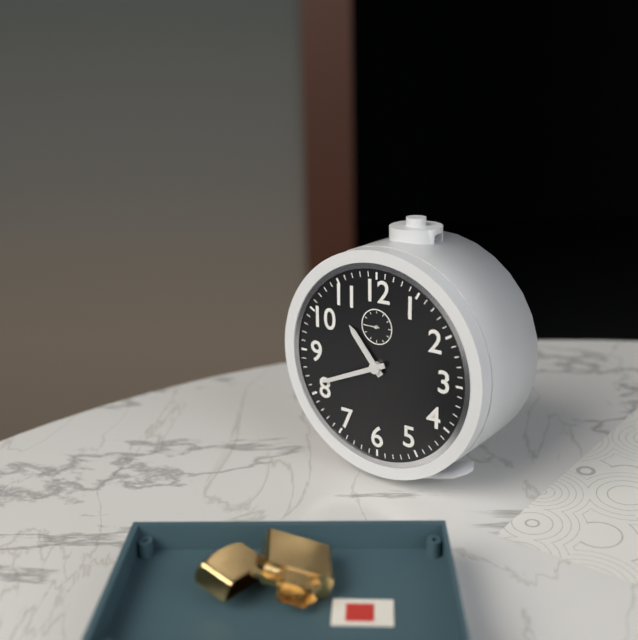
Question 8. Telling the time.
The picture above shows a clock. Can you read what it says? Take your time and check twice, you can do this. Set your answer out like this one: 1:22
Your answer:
10:41
